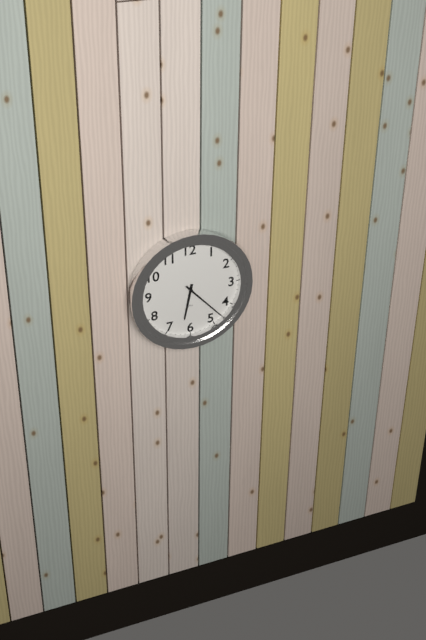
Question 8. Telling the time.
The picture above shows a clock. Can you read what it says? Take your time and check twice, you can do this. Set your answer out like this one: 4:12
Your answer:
6:23
